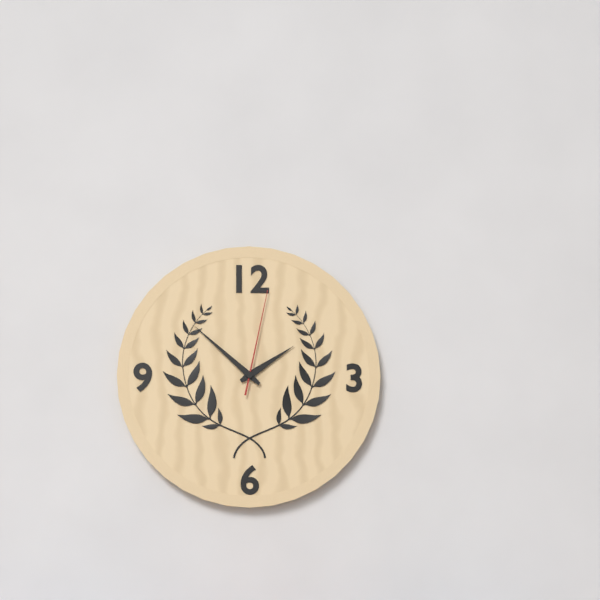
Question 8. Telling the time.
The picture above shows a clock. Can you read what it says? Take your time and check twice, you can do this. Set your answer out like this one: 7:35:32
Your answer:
1:52:02
